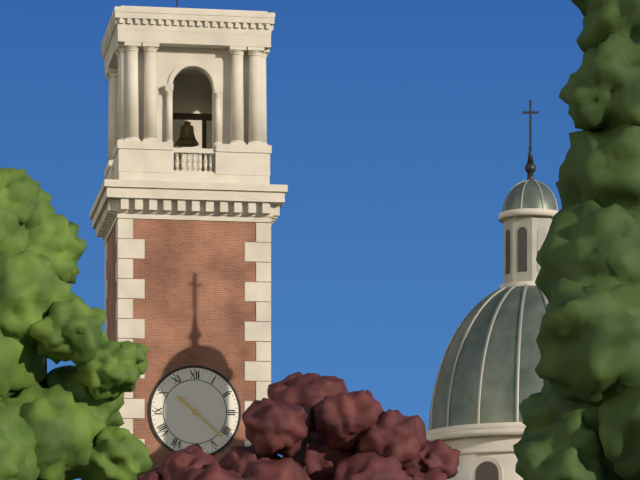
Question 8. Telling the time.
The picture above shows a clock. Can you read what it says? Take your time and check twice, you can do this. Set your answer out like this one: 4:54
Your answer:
10:22
